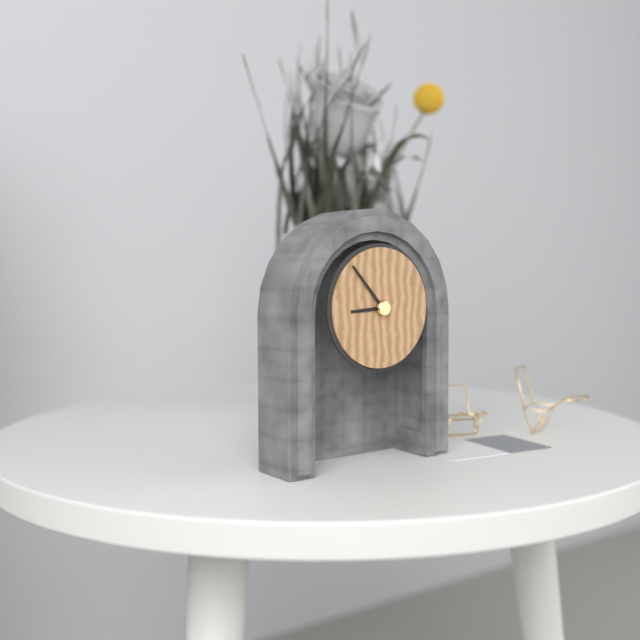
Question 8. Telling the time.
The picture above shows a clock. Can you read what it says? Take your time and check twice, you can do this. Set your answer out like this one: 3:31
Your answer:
8:53
